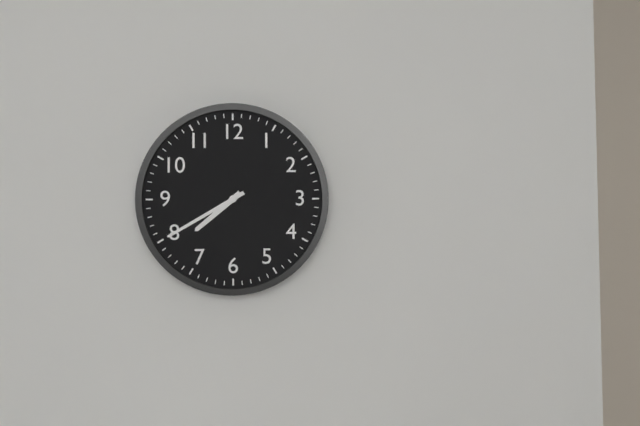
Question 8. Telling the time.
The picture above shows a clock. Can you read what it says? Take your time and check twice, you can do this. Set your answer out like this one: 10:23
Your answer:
7:40
